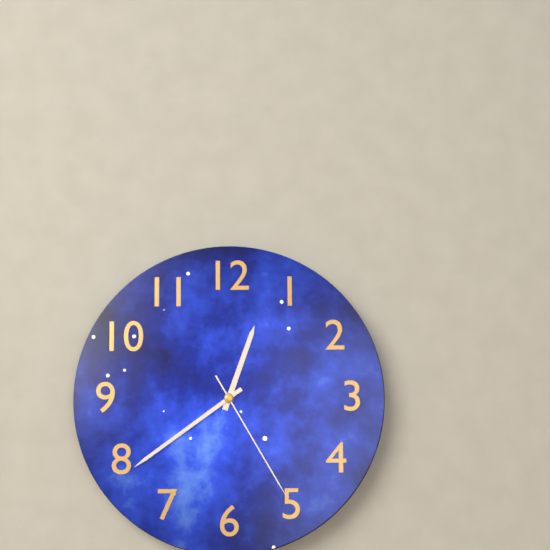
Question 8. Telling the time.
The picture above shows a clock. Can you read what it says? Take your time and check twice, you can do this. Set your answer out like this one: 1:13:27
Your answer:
12:39:25
